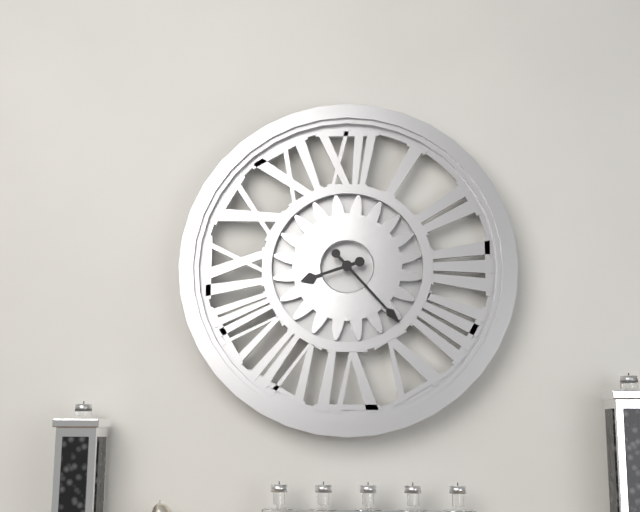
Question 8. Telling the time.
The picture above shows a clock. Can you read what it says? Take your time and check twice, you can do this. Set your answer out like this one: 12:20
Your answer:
8:23
